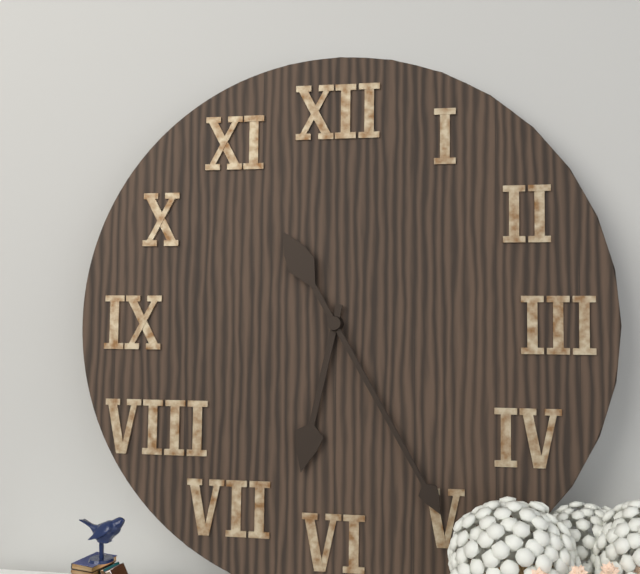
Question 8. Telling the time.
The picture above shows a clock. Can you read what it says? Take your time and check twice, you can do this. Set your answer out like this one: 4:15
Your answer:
6:25
